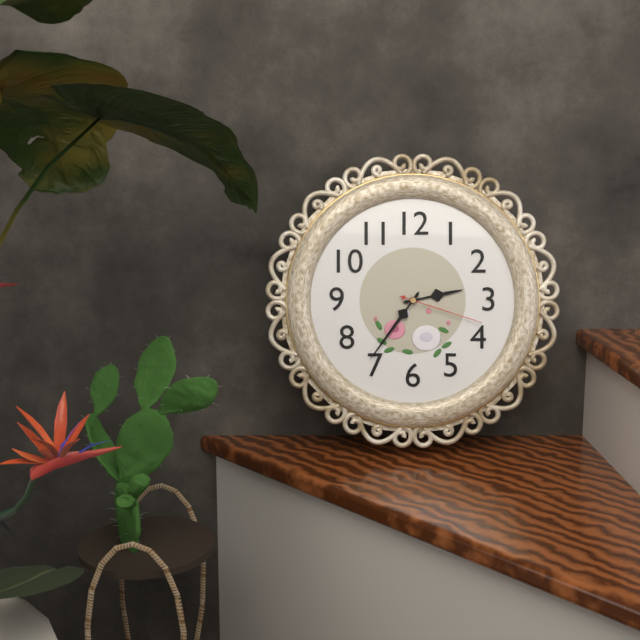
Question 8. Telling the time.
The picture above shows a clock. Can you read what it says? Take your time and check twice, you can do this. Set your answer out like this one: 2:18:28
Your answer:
2:36:18
